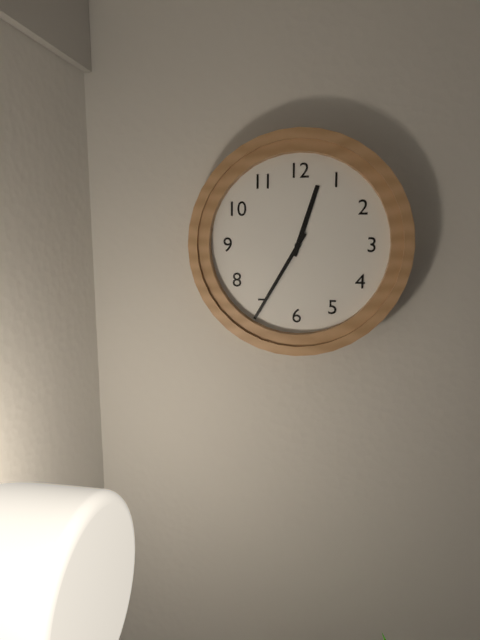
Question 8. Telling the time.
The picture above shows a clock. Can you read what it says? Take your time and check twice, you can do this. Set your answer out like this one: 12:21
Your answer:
12:35
